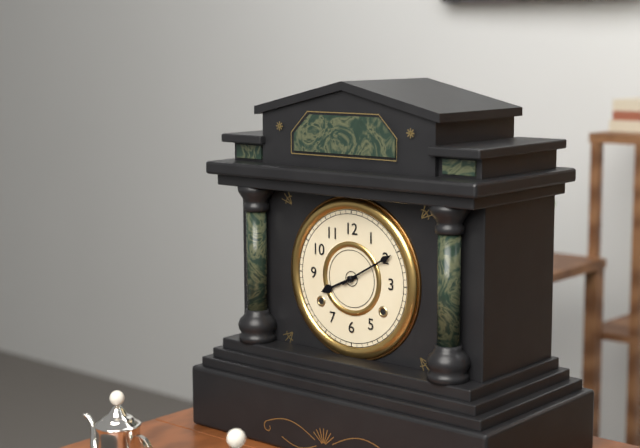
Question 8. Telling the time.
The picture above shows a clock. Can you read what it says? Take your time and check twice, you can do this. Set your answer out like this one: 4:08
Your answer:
8:10
